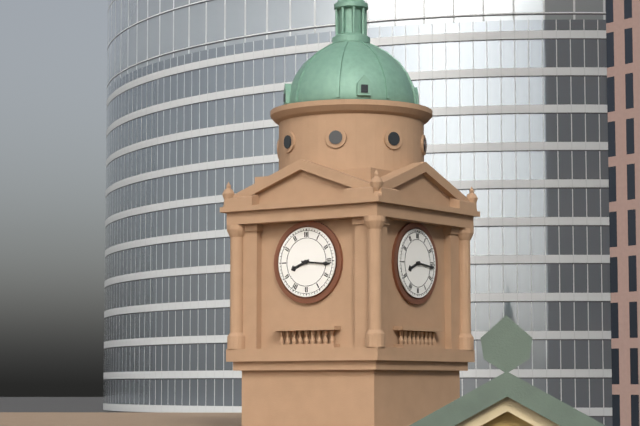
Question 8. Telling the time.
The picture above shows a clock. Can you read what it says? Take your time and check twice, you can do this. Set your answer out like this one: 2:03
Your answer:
8:16
